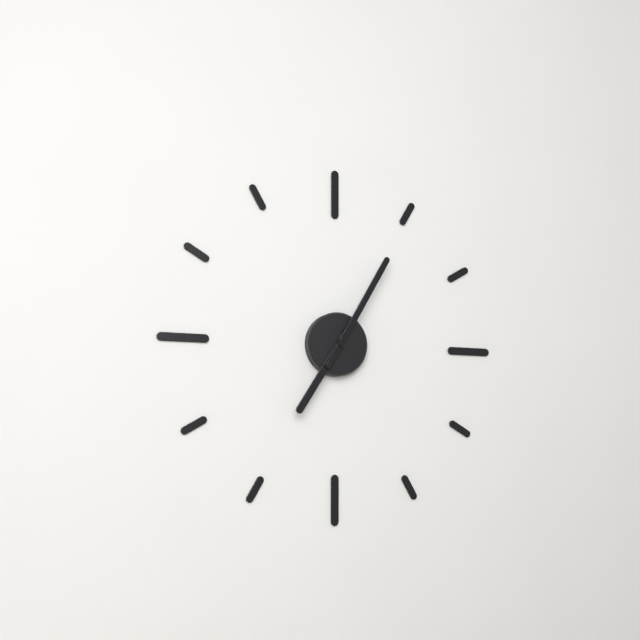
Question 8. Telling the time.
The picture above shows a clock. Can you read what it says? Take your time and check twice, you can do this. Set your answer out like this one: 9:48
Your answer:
7:05
